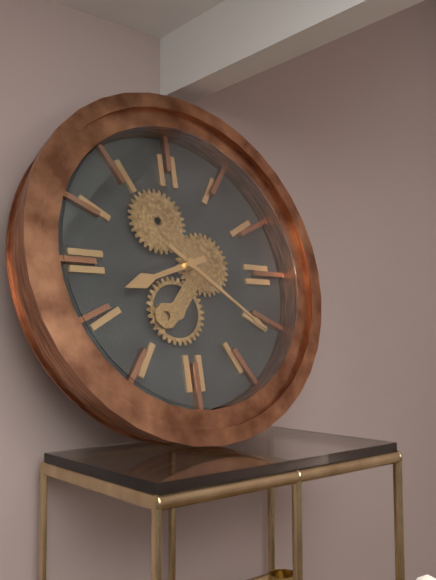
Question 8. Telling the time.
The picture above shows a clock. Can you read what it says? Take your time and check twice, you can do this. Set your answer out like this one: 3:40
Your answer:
8:21
